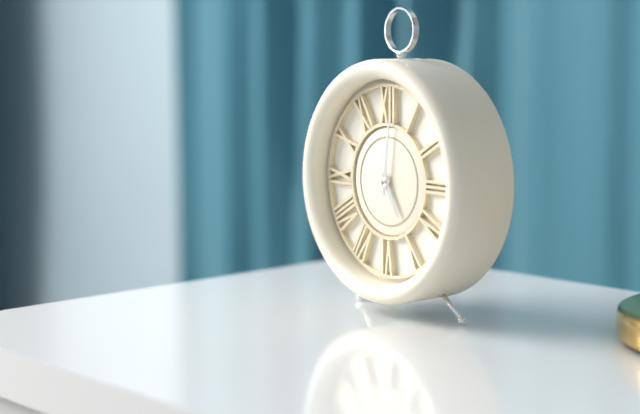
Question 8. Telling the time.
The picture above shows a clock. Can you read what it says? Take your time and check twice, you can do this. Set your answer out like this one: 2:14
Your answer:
5:01
